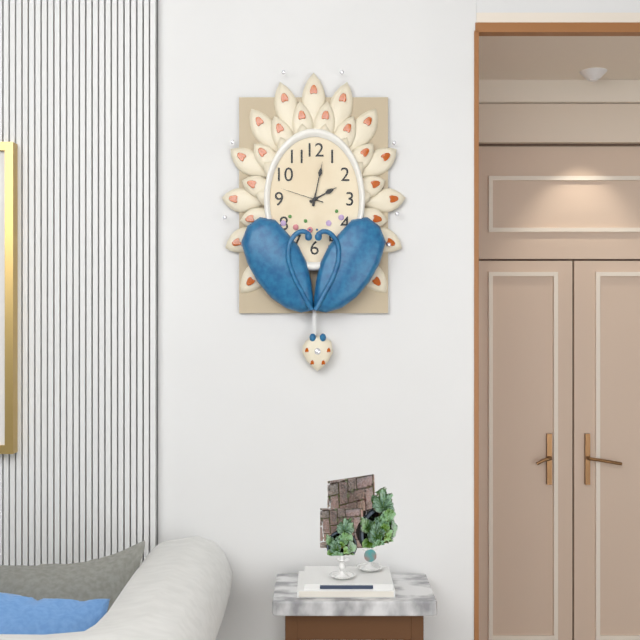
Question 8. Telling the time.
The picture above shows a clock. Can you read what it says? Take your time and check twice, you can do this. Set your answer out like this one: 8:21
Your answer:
2:02
